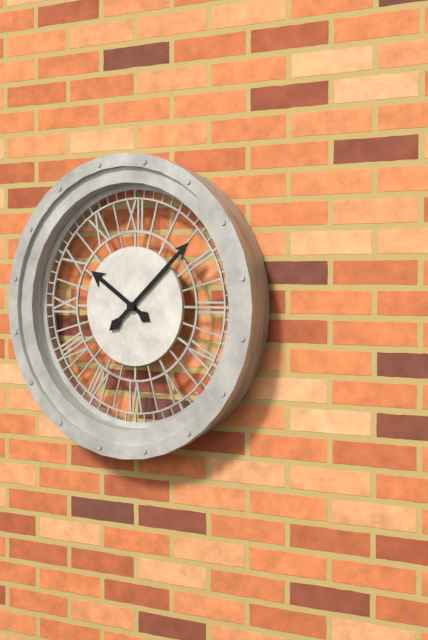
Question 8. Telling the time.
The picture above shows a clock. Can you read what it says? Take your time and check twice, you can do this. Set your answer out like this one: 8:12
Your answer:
10:08
